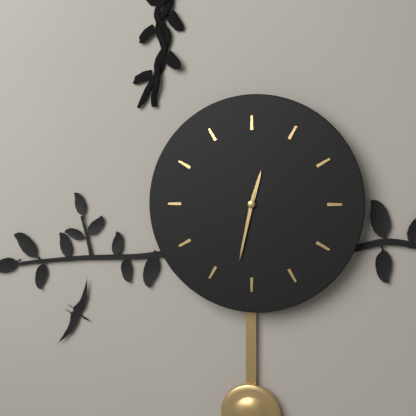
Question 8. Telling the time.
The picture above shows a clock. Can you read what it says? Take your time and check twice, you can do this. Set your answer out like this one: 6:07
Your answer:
12:32
